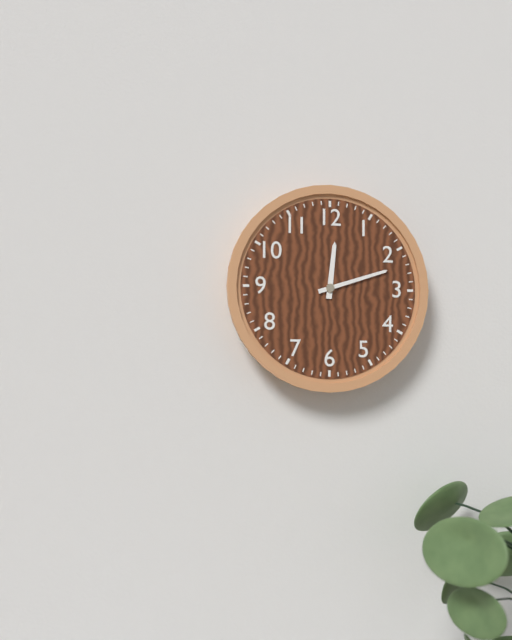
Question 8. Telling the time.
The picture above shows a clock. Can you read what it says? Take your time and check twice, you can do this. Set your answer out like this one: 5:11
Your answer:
12:12
